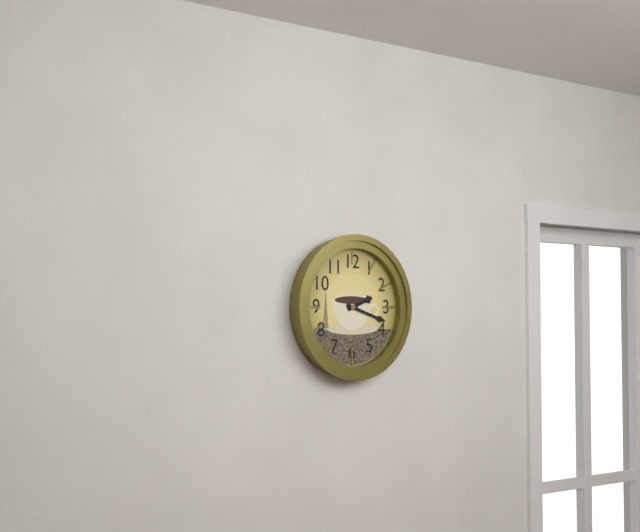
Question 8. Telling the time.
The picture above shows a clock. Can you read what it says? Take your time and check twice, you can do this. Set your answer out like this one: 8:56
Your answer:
2:18
